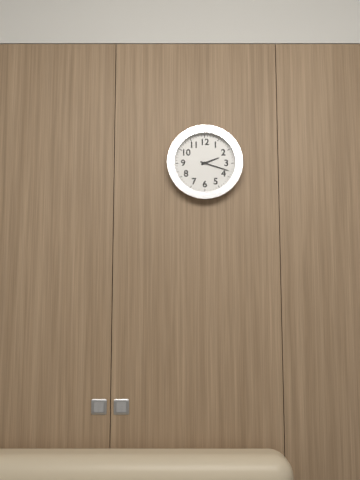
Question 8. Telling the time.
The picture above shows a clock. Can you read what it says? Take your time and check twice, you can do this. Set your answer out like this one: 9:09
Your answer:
2:18
